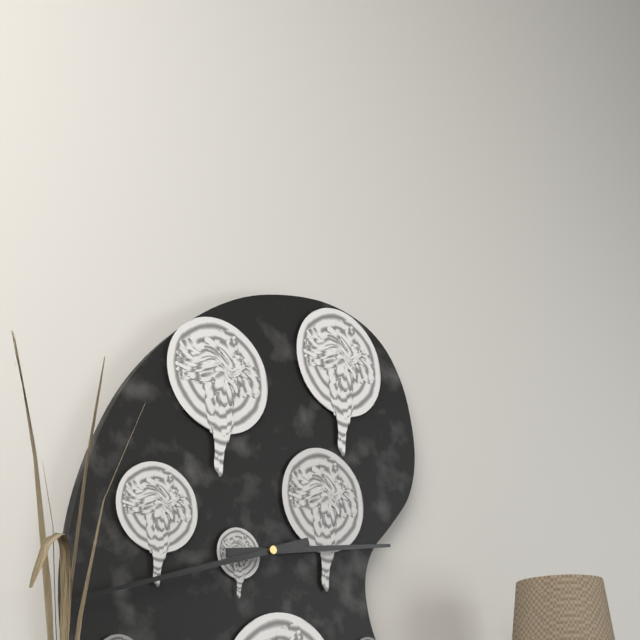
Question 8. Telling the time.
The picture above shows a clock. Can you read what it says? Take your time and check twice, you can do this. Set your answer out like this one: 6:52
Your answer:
2:42
